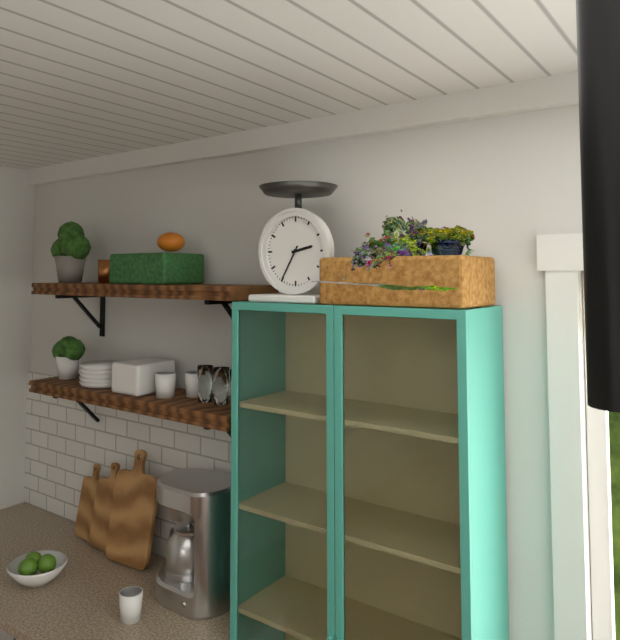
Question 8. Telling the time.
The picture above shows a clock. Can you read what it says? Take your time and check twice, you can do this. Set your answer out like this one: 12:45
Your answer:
2:35
